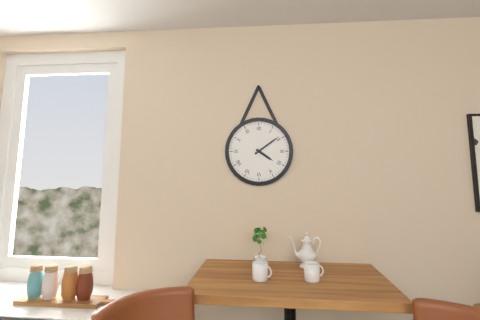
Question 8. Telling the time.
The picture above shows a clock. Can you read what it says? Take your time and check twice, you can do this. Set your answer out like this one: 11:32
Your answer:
4:09
